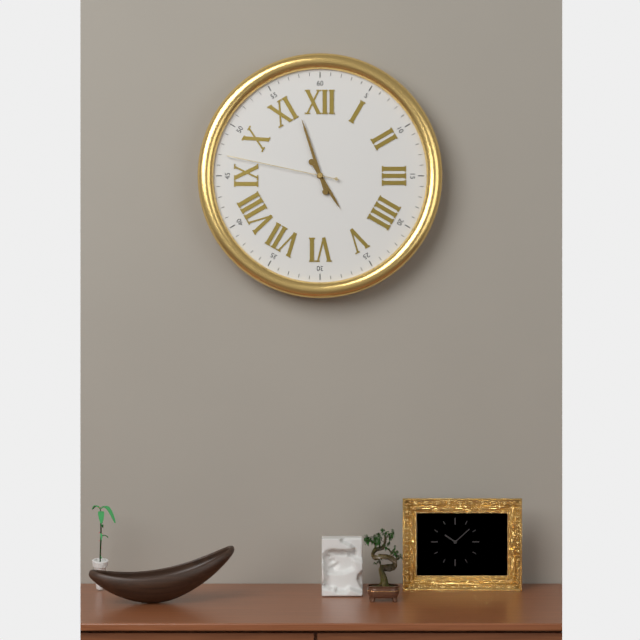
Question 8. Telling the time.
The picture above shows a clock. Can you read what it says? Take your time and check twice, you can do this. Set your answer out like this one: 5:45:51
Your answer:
4:57:47
